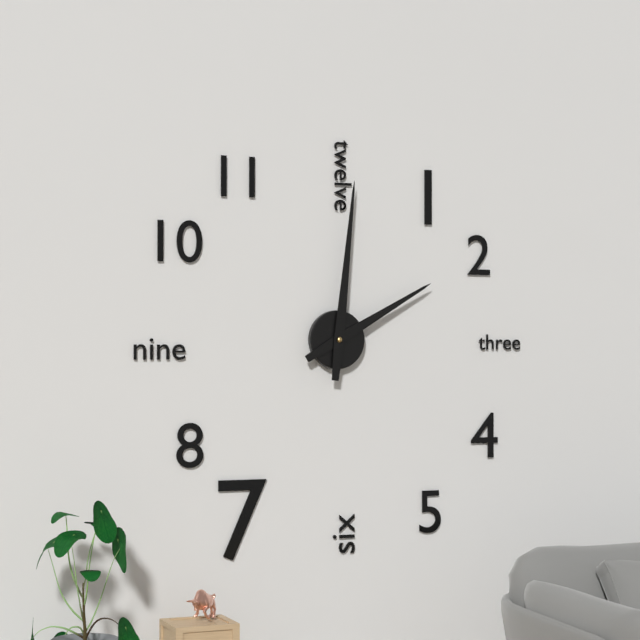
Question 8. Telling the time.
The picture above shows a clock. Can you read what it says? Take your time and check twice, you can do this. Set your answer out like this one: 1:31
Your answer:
2:01
